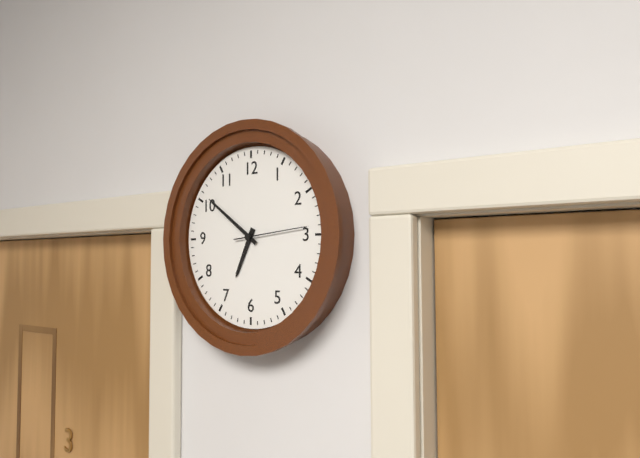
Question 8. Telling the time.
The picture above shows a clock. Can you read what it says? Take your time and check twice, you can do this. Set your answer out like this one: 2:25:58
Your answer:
6:51:14
